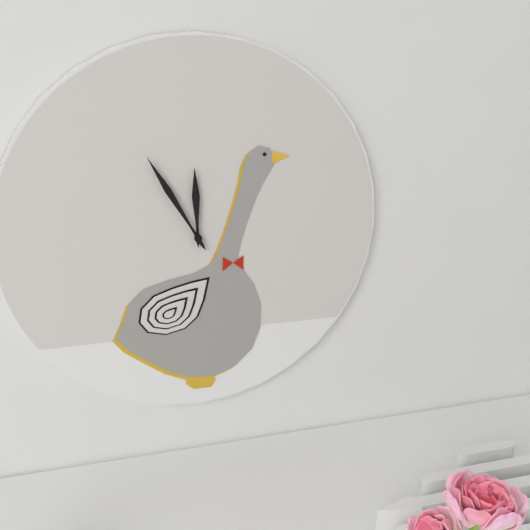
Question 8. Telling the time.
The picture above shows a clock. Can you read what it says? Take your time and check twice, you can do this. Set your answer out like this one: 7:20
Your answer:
11:55
